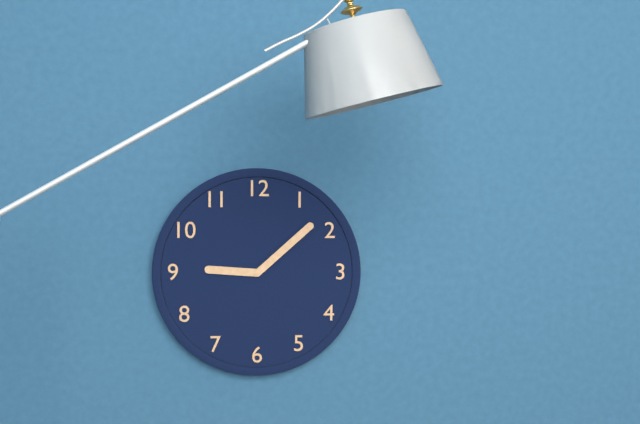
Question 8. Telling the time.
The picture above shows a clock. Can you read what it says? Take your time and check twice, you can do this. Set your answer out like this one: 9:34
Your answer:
9:08
